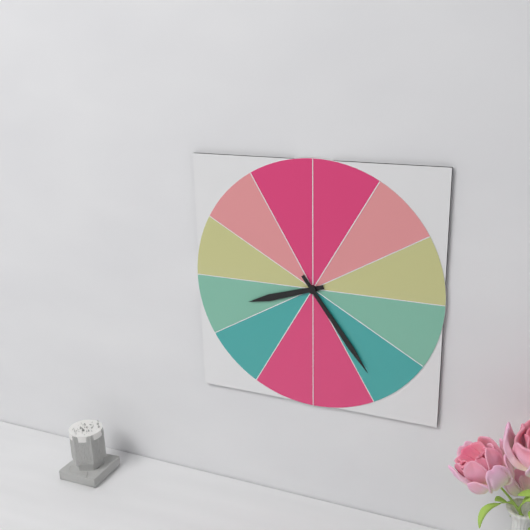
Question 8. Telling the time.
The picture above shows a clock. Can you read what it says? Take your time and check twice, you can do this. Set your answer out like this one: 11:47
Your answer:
8:24
